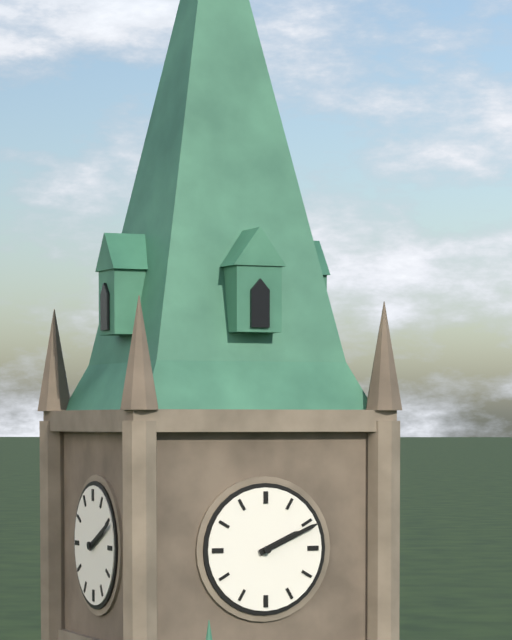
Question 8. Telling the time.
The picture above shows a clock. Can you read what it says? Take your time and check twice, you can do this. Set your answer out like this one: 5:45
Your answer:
2:11
